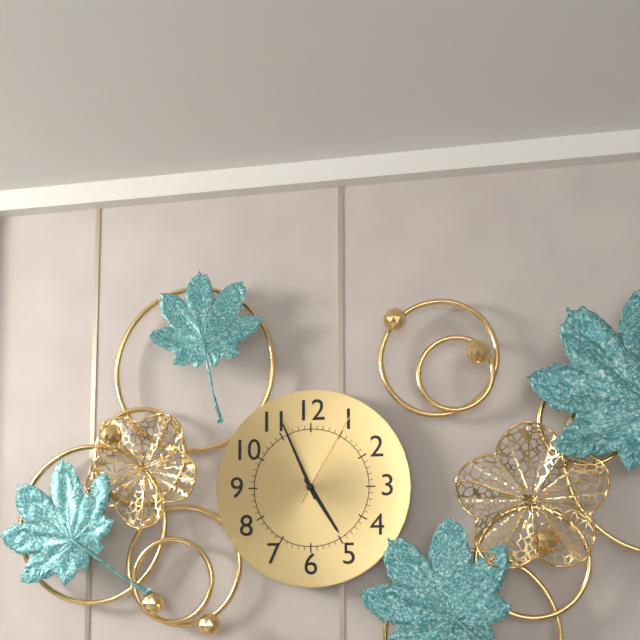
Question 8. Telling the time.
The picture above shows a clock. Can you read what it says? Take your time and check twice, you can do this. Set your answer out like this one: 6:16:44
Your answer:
4:56:05
